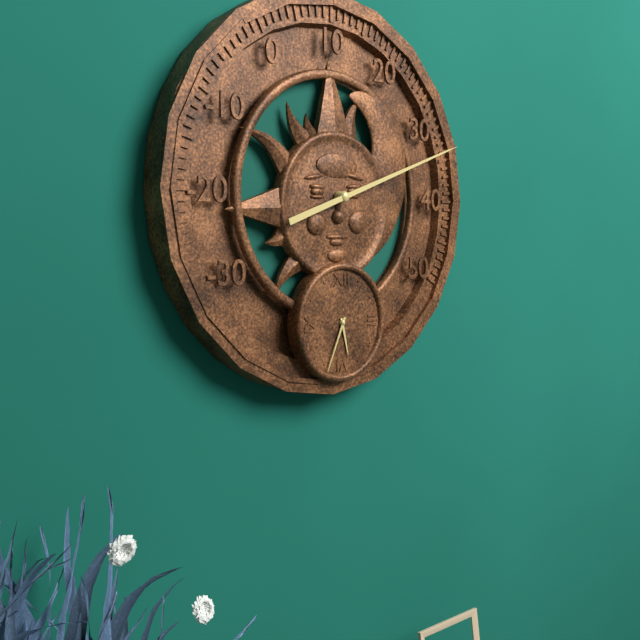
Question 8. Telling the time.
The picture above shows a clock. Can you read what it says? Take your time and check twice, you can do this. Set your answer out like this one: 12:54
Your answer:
5:34
